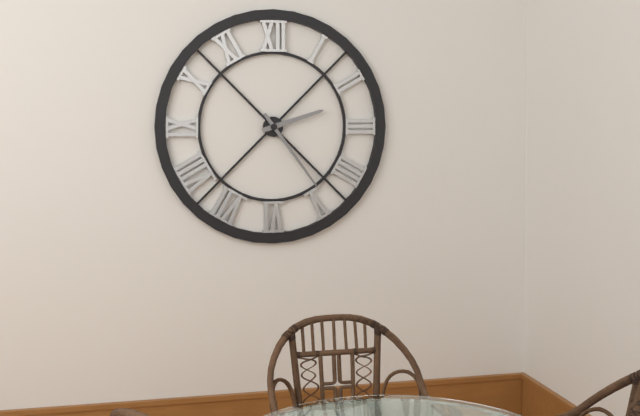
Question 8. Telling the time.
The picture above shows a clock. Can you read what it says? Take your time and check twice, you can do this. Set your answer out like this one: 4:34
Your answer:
2:24
